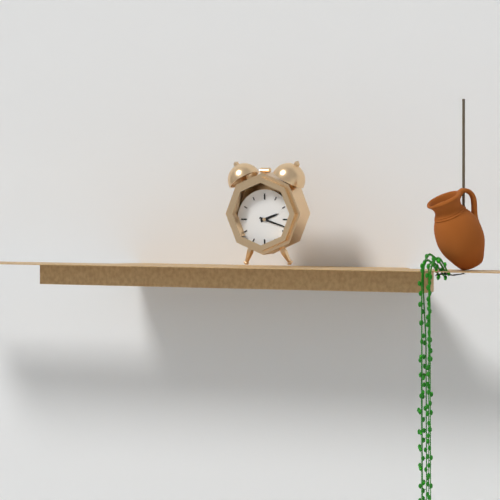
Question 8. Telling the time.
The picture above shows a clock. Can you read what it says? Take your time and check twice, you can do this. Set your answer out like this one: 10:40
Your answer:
2:18
